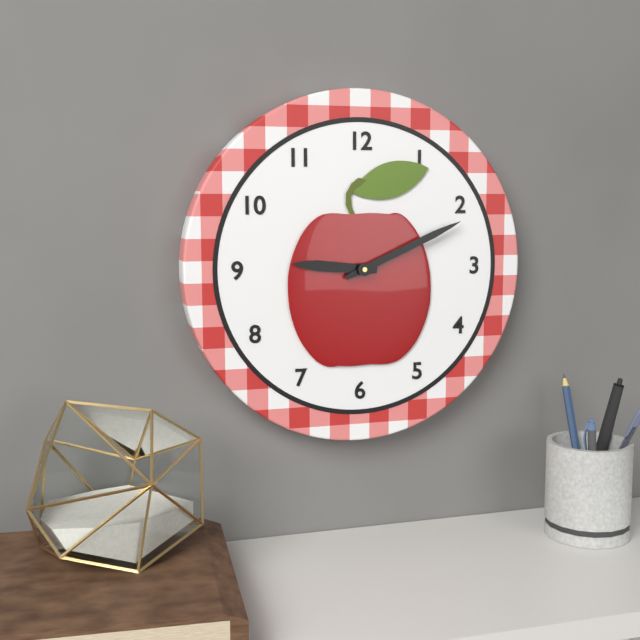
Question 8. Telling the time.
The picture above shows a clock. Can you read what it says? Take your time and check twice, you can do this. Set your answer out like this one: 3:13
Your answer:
9:11
